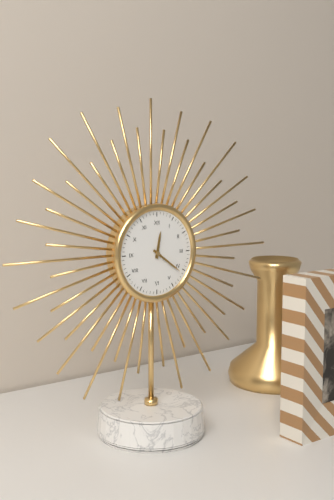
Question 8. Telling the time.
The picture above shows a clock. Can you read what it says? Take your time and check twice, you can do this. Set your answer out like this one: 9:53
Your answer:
12:21
